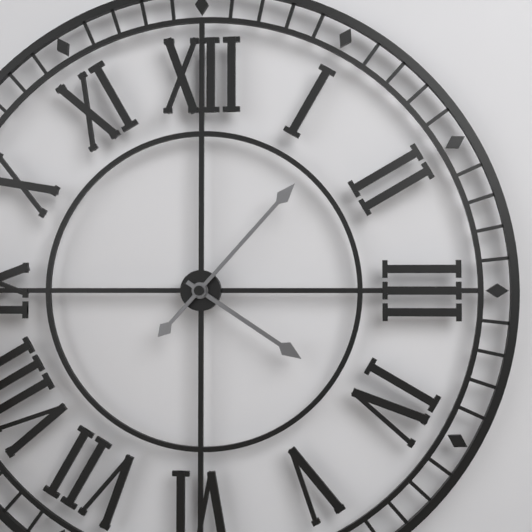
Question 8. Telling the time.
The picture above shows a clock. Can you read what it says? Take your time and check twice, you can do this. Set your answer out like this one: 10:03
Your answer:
4:07
